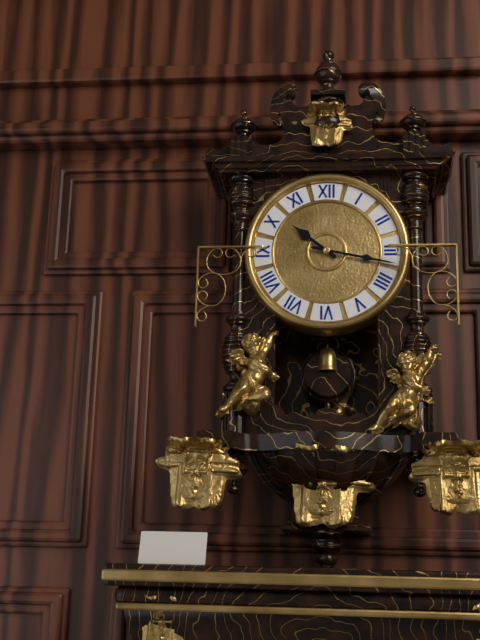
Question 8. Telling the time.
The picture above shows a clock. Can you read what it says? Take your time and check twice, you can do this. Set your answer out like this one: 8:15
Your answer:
10:17
